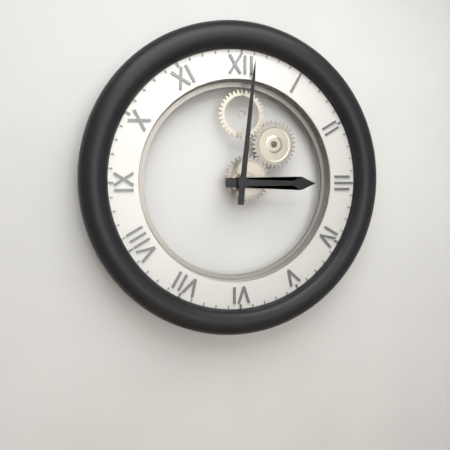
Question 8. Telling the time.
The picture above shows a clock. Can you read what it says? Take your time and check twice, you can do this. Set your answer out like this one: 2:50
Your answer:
3:01
